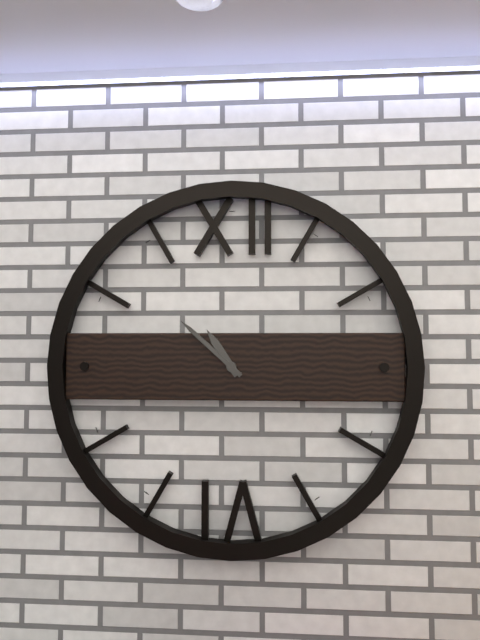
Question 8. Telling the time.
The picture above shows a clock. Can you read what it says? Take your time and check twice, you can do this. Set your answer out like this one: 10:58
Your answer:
10:52
